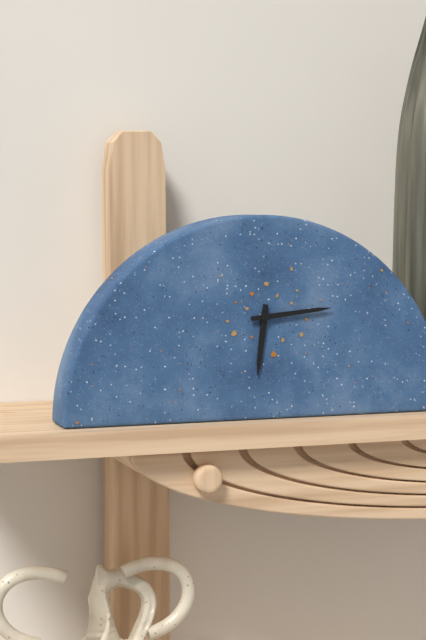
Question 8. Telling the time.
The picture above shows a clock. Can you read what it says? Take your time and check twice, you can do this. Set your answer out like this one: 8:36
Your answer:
6:14
